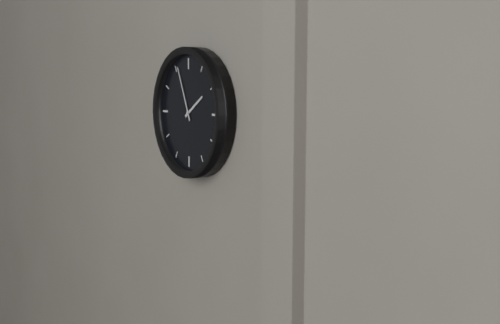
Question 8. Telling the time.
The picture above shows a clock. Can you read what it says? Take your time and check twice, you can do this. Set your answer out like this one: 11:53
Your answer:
1:56
